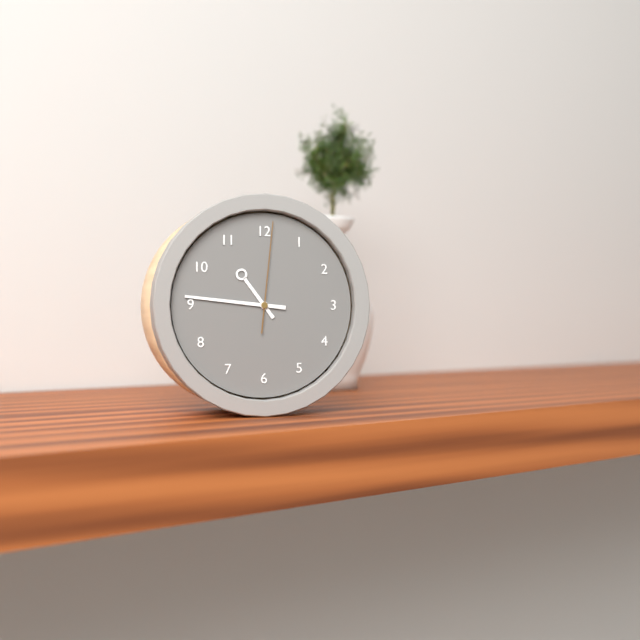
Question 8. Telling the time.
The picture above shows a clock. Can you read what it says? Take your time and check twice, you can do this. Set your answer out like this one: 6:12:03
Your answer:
10:46:01
